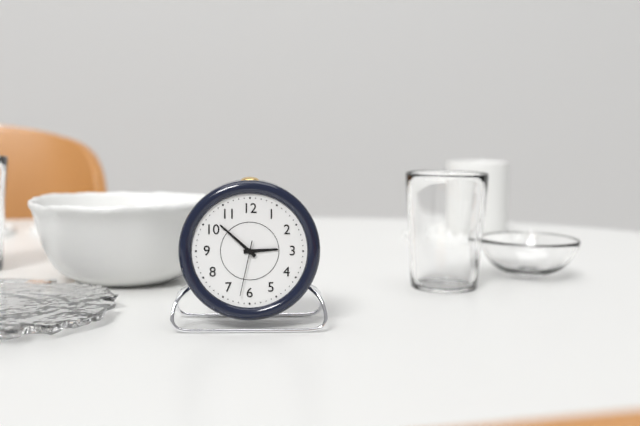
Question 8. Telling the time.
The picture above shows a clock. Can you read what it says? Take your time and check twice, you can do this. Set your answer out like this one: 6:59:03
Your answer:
2:52:32
